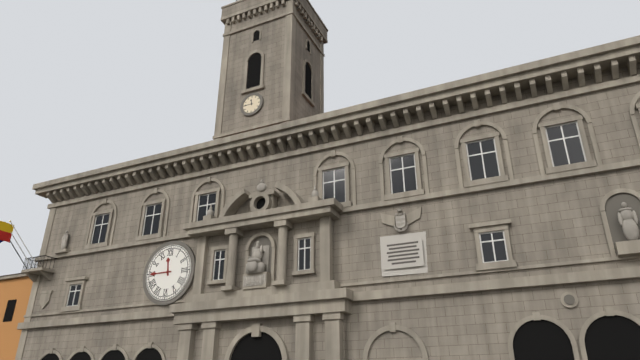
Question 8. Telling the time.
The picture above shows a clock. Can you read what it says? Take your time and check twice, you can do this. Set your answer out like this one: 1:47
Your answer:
11:45
